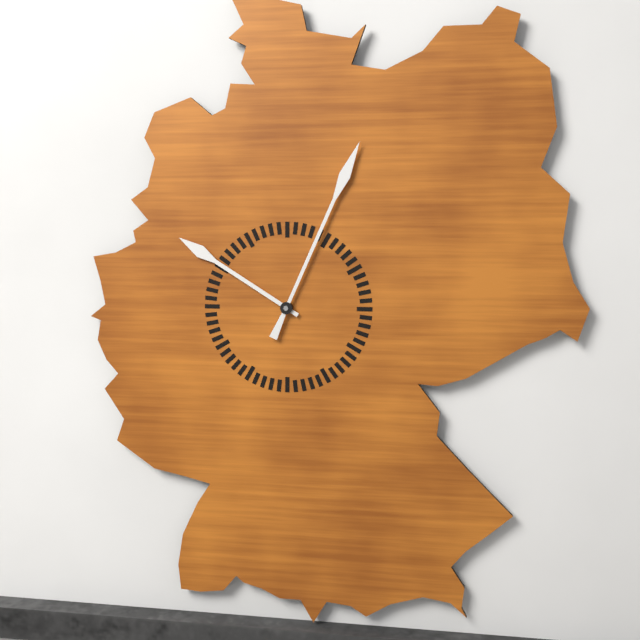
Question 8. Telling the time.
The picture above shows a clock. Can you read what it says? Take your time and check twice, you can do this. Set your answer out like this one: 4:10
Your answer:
10:04
